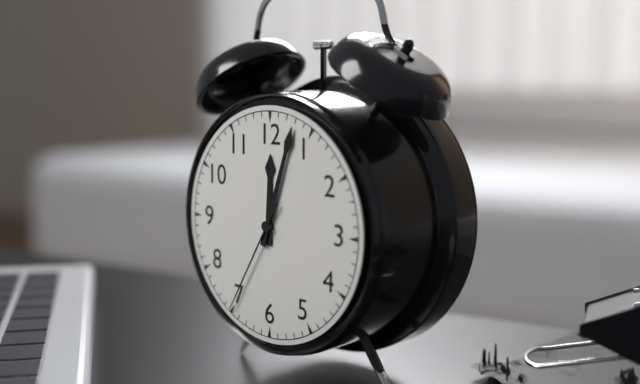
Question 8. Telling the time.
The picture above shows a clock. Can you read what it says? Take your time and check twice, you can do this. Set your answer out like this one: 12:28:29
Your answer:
12:03:35
